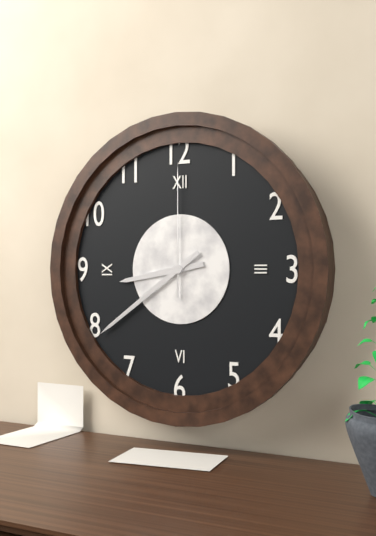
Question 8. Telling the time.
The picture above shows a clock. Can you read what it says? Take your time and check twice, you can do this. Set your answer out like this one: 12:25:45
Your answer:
8:39:00
